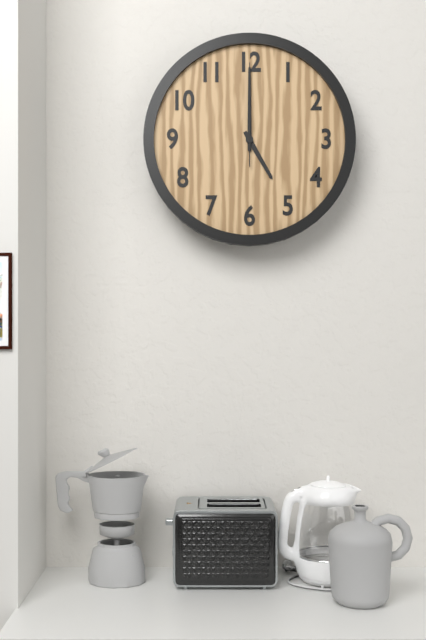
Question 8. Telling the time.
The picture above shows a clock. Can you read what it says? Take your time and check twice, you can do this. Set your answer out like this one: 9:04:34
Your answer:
5:00:00
